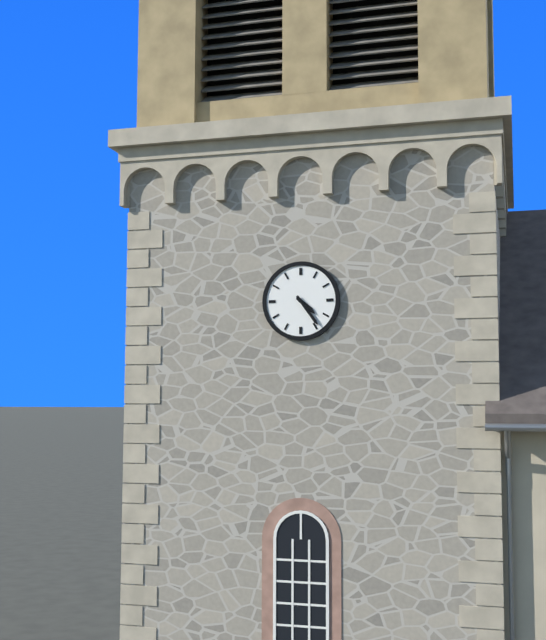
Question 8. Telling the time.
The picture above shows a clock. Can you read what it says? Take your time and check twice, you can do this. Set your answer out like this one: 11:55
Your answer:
4:24
